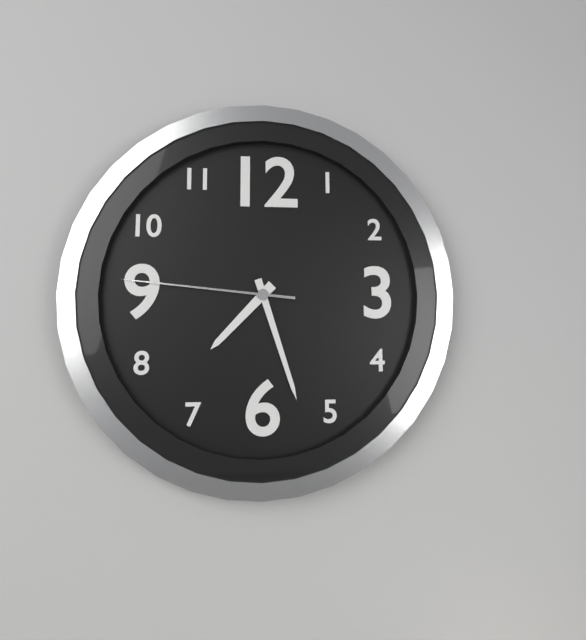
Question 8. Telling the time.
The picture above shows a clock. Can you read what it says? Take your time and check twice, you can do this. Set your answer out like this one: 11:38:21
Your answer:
7:27:46
